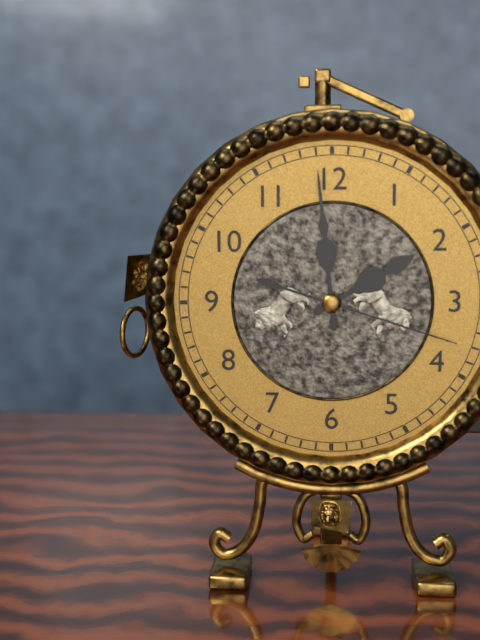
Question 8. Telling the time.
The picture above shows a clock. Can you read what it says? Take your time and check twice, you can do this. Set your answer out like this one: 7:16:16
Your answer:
1:59:18
